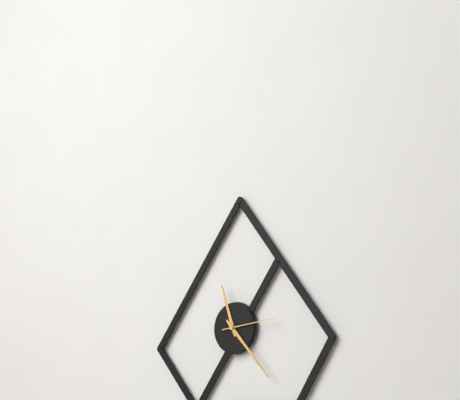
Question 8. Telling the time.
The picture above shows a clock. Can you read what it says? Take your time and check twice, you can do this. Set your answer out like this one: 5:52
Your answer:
11:23
